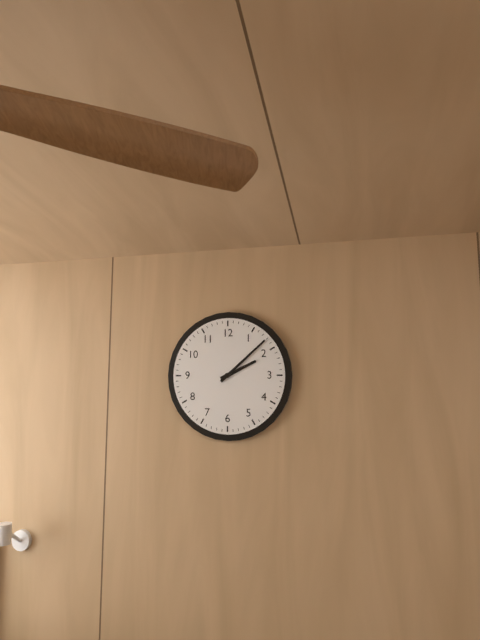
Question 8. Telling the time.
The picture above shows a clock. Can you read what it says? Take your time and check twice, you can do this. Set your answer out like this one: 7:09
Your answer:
2:08
